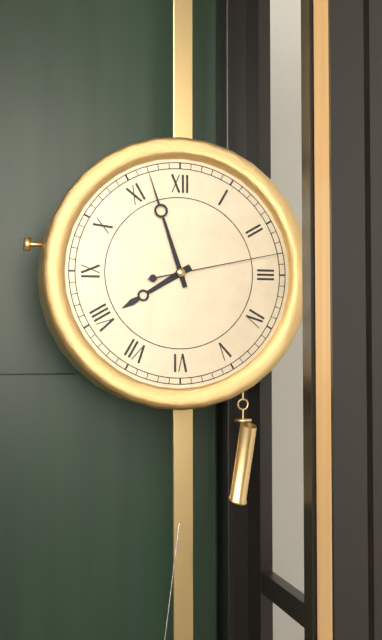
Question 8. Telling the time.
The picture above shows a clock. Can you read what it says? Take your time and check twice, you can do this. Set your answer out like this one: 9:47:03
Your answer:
7:57:13
